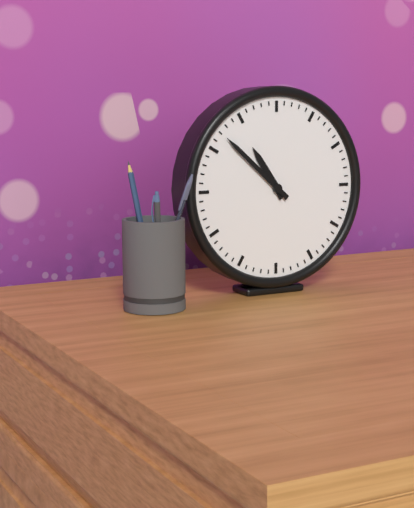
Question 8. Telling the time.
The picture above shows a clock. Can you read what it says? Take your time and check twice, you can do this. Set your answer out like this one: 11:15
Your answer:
10:52
